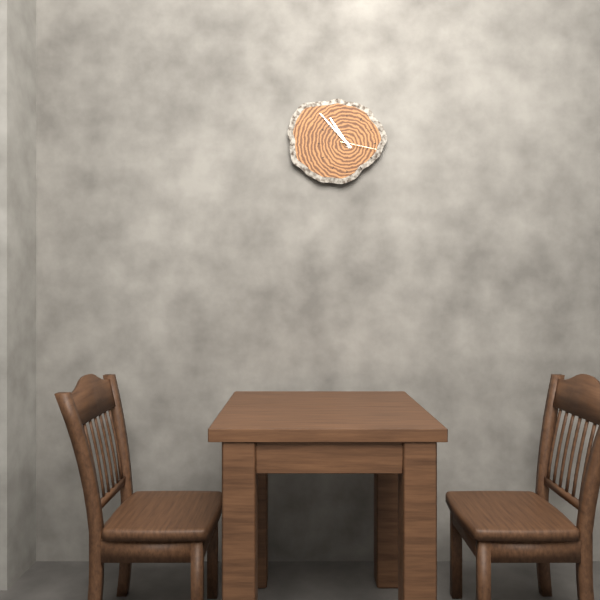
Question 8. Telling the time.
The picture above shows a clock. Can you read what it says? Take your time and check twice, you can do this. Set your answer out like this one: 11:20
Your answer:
10:53
